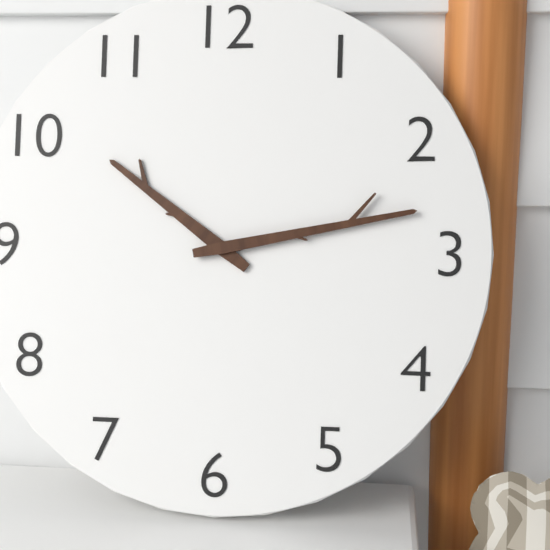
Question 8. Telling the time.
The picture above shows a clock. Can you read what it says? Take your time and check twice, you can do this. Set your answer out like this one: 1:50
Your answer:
10:13
